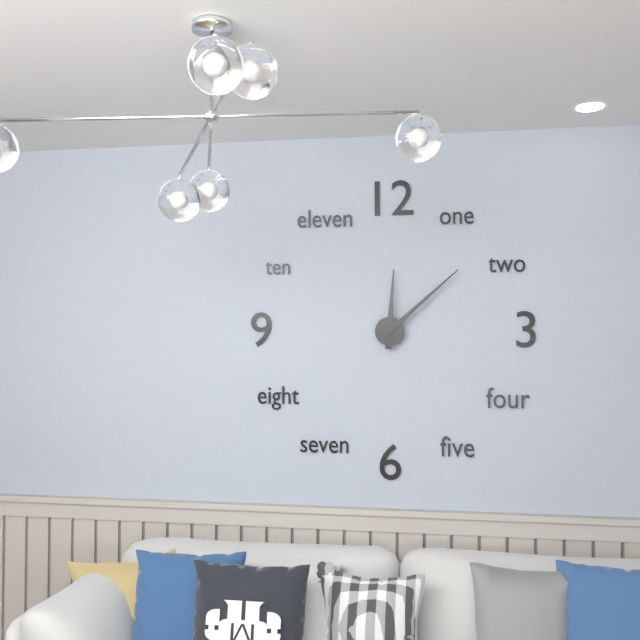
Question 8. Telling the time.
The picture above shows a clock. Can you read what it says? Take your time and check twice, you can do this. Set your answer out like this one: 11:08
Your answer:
12:08
